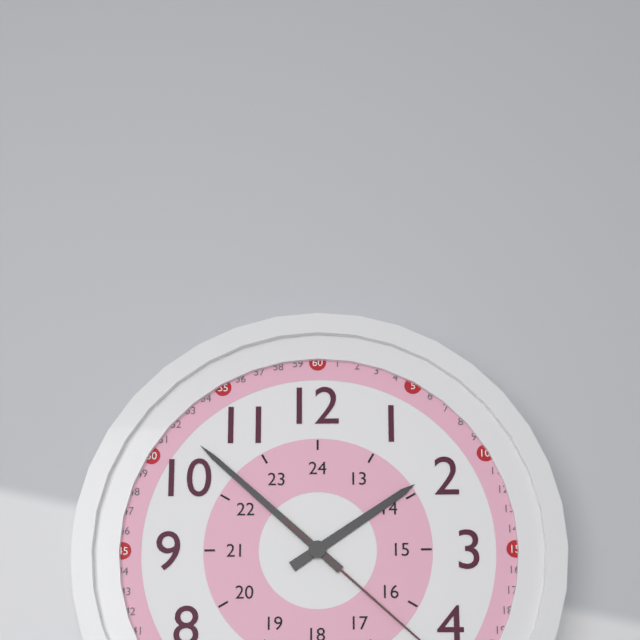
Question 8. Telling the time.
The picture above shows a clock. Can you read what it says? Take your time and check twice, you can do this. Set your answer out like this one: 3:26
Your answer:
1:52
